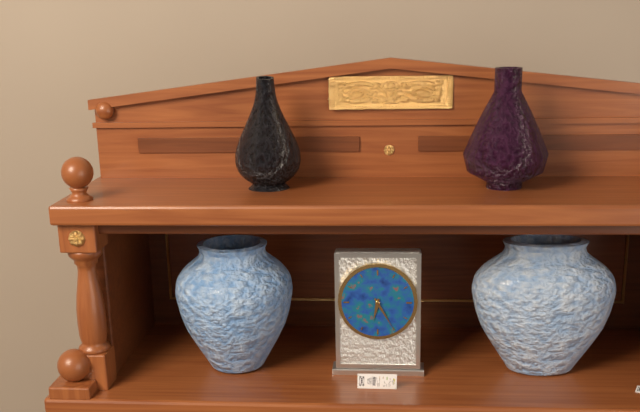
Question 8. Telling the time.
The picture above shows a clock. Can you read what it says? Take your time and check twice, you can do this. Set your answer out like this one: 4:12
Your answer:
6:25
